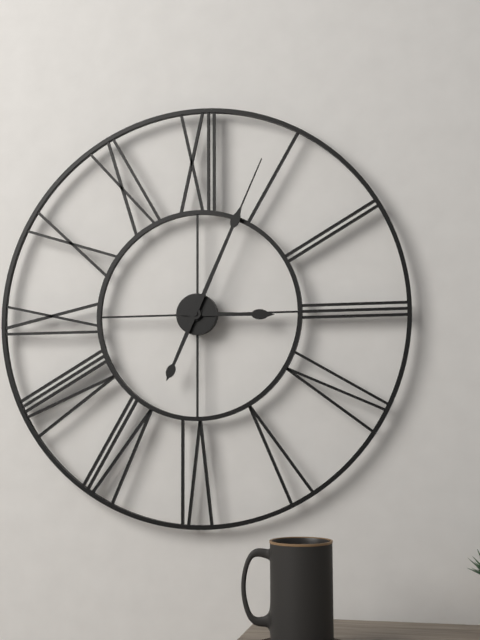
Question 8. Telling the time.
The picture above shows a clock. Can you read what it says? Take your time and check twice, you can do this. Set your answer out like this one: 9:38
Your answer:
3:04
